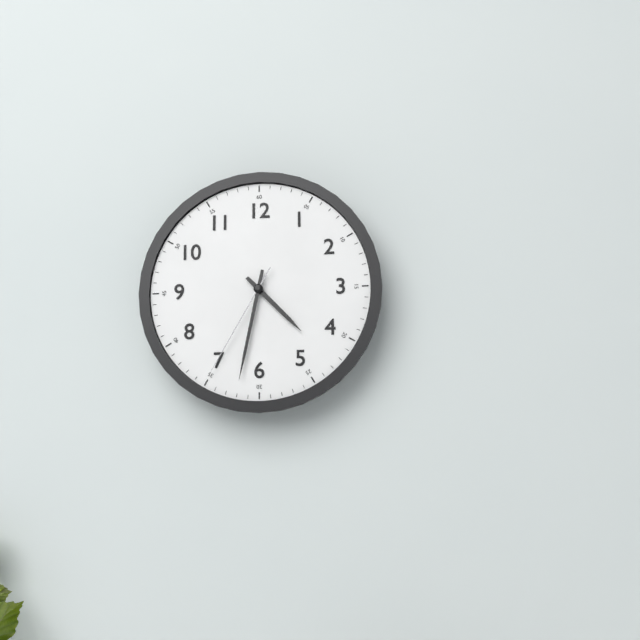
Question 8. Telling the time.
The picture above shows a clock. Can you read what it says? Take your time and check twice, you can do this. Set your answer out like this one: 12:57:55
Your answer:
4:32:35
